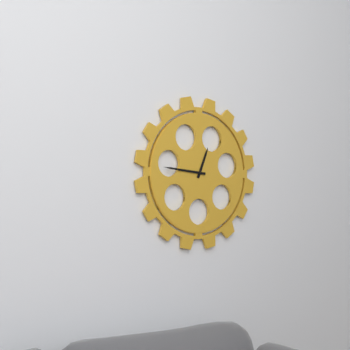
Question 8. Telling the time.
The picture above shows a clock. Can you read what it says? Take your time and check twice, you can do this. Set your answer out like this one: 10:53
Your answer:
12:46
